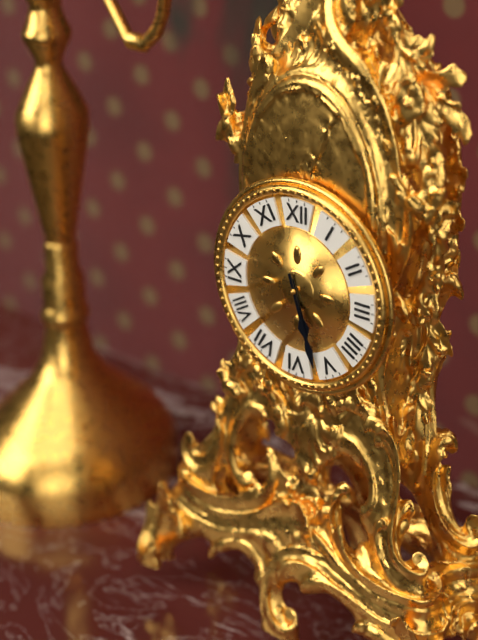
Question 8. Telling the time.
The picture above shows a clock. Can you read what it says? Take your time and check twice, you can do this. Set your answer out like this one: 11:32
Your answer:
5:27
